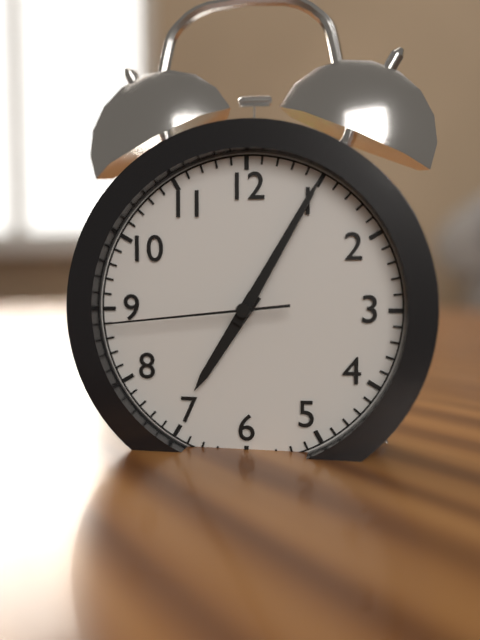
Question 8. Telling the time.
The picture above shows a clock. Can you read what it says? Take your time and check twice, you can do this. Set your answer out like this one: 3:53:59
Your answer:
7:05:44
